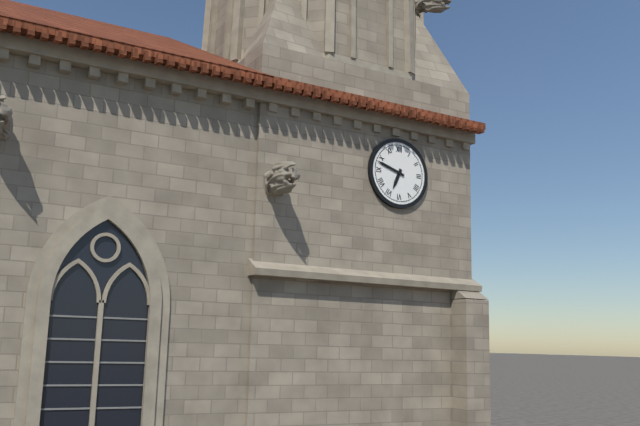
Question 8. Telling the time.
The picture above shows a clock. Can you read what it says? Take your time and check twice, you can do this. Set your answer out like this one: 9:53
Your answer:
6:48
